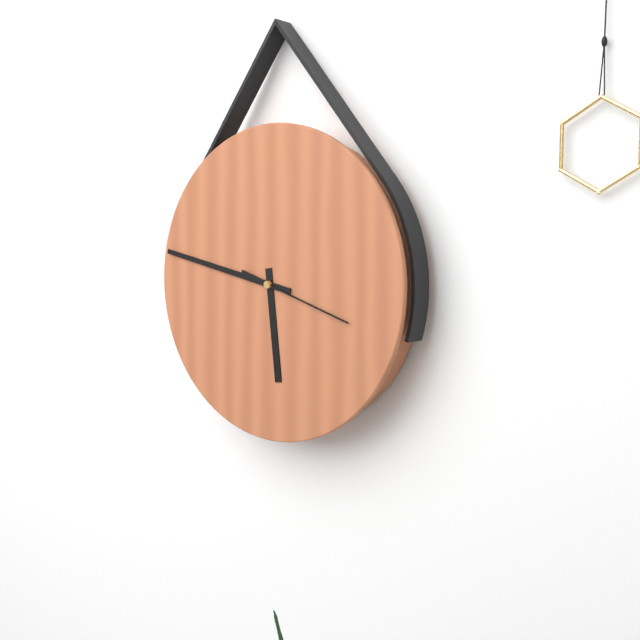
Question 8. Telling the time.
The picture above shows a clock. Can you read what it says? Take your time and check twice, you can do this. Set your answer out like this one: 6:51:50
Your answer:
5:47:18
